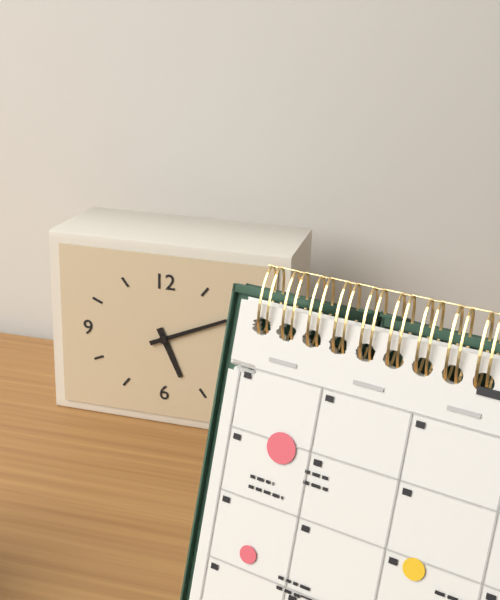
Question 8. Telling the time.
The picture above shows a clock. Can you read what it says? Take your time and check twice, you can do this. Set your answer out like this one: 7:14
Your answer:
5:11
